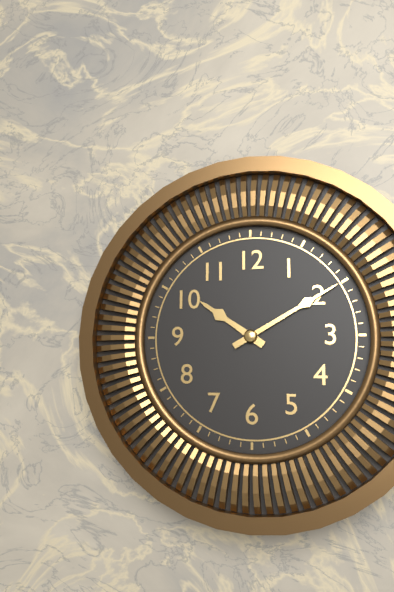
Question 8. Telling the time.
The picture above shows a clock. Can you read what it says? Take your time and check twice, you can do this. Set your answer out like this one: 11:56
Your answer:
10:10
